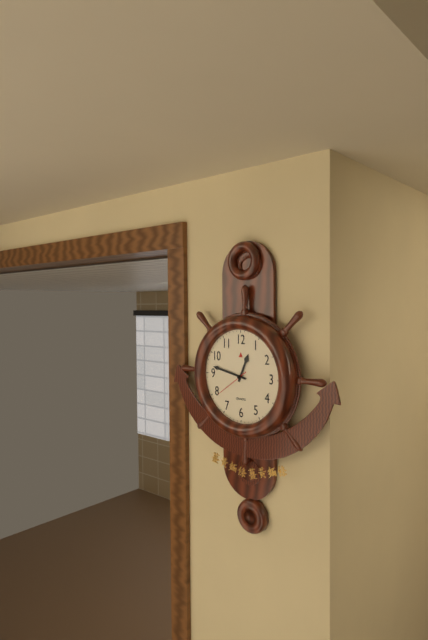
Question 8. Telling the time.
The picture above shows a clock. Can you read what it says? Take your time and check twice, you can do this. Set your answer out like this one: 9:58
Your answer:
12:47
